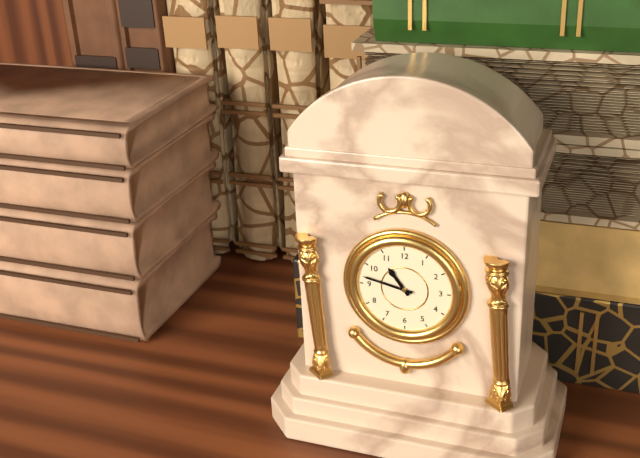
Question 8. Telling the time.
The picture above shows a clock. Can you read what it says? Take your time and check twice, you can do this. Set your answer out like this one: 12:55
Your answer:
10:47
